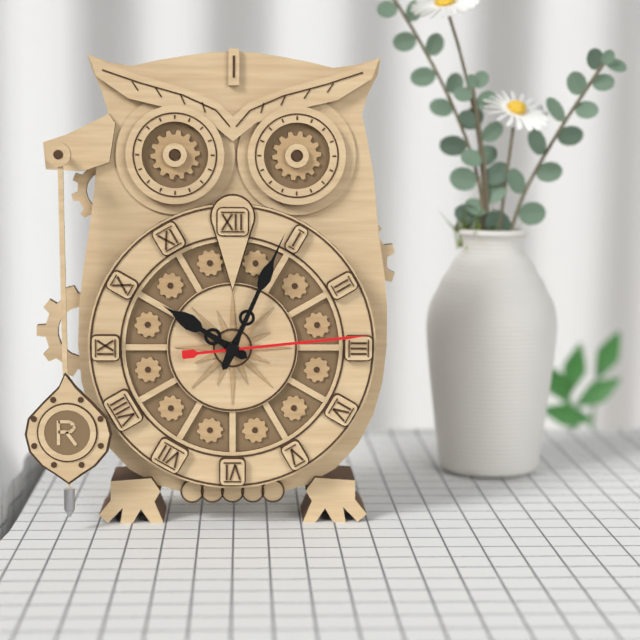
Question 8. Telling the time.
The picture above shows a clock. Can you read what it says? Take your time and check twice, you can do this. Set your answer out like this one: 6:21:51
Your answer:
10:04:14
